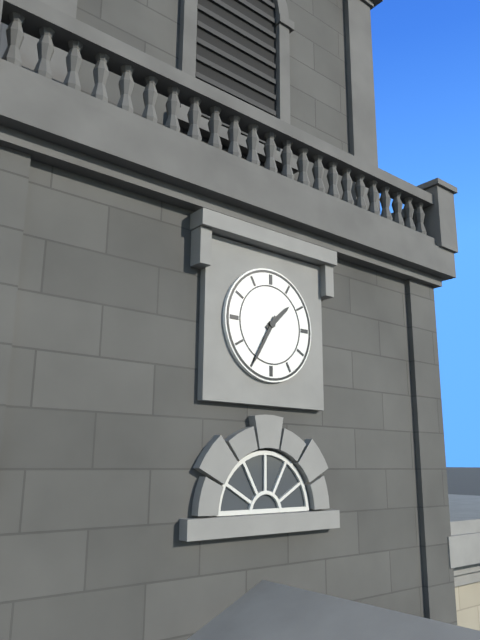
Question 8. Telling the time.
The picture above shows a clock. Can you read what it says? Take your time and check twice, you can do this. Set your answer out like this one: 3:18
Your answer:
1:35
